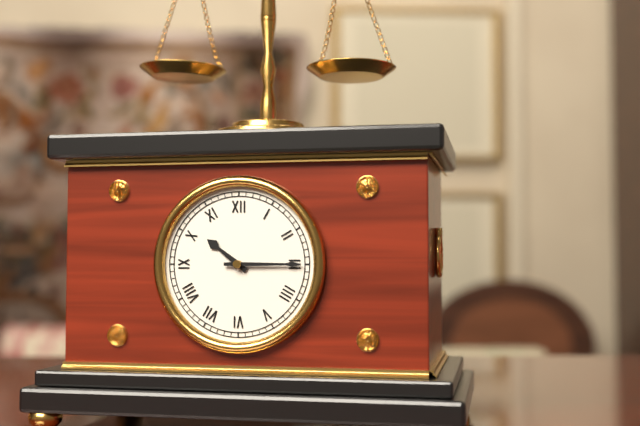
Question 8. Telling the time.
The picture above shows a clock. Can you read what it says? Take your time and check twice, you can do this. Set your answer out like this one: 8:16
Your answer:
10:15
